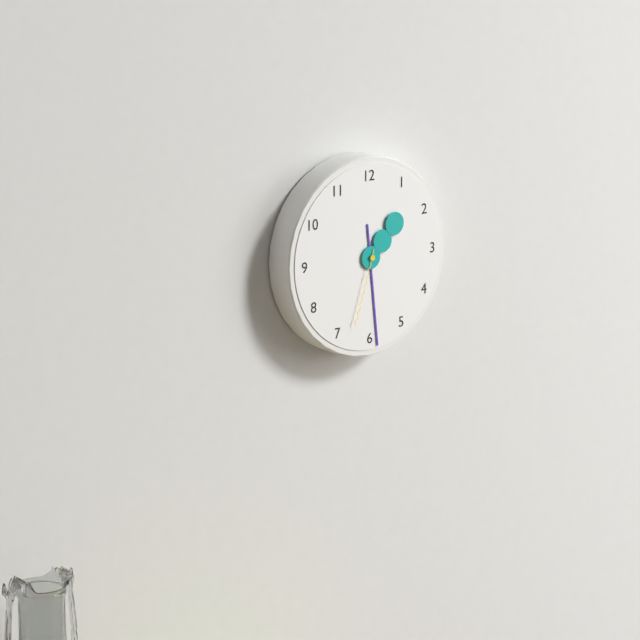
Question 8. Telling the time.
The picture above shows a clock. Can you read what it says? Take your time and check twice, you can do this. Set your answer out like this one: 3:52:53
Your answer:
1:29:33
